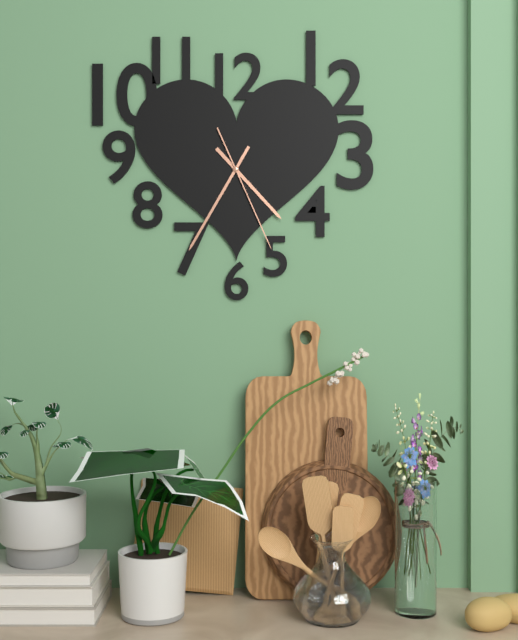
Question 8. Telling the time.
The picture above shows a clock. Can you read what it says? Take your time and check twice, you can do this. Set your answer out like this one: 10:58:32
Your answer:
4:35:26
